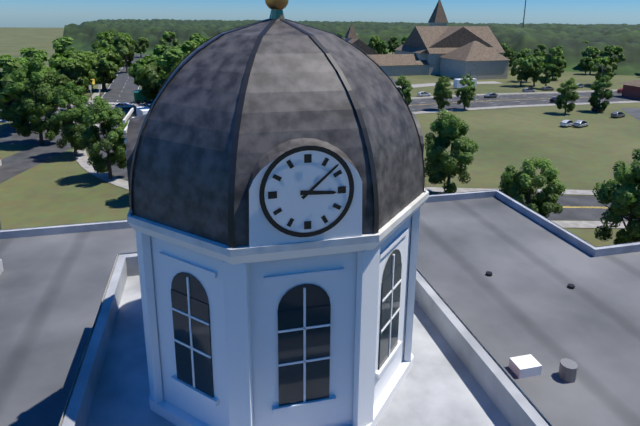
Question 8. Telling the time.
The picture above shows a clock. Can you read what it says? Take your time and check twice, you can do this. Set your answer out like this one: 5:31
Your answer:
3:08
